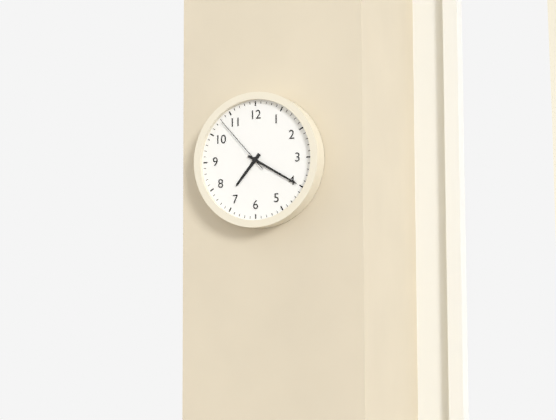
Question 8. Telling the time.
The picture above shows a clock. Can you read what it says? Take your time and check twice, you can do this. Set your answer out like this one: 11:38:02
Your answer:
7:20:53
